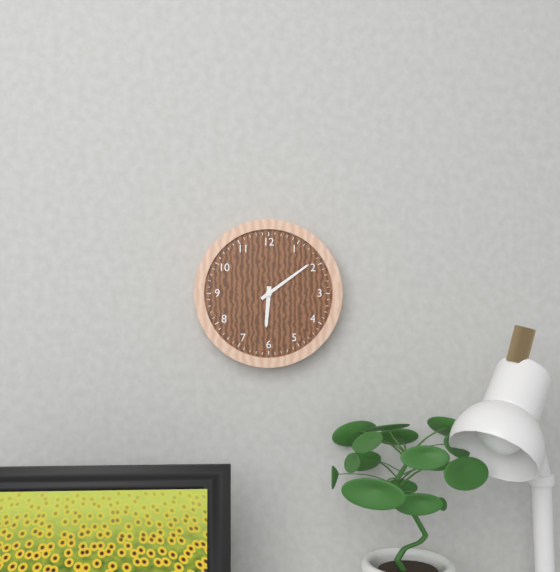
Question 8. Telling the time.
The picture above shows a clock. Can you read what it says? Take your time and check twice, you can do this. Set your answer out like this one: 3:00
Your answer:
6:09
